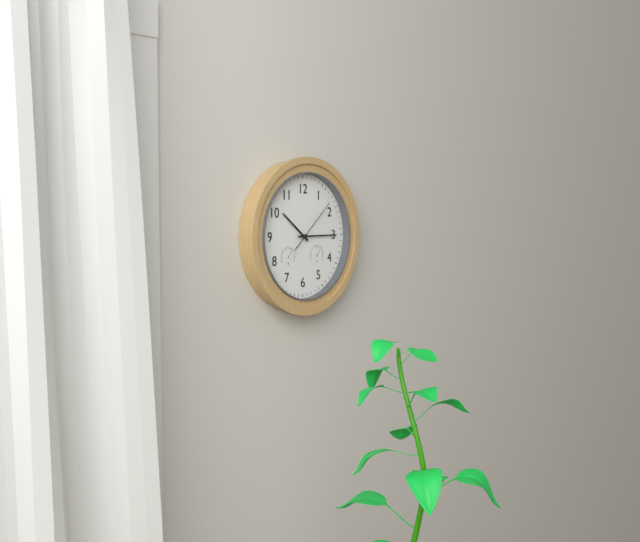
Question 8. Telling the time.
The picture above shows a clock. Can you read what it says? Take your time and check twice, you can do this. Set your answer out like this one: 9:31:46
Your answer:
10:15:08
